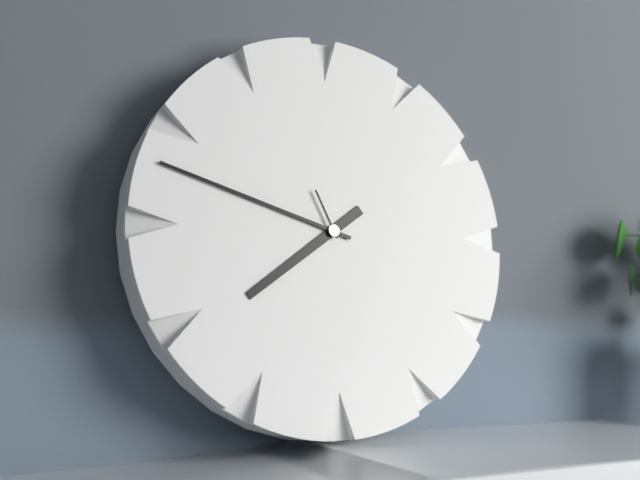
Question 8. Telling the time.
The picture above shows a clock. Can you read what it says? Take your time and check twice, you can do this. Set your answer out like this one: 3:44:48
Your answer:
7:48:56
